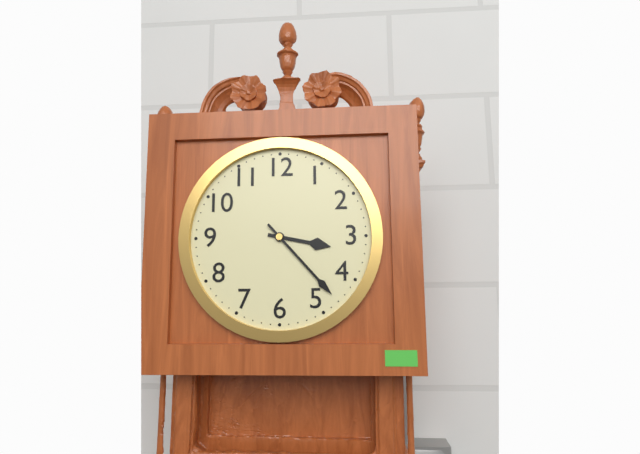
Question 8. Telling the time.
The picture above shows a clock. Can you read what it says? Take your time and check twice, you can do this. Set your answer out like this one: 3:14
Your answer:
3:23
